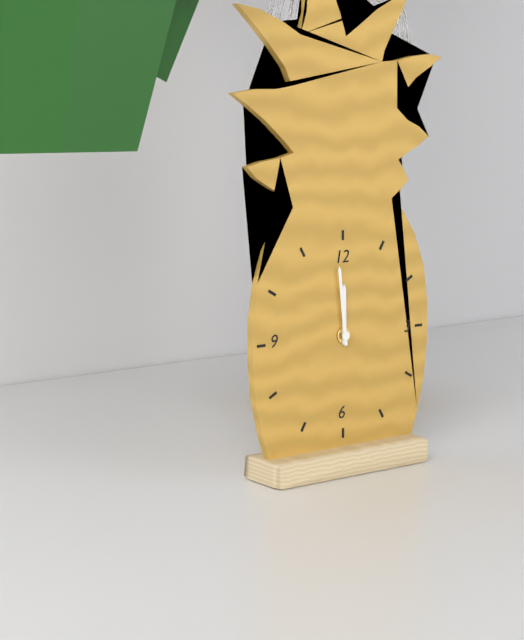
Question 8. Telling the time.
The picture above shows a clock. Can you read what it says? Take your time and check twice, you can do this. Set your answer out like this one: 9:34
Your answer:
11:59
